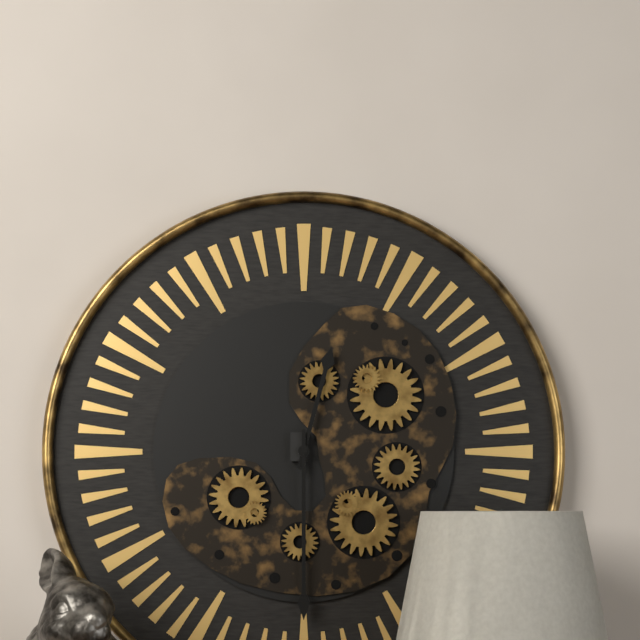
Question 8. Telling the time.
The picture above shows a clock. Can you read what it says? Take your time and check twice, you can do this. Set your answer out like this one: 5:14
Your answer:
12:30
